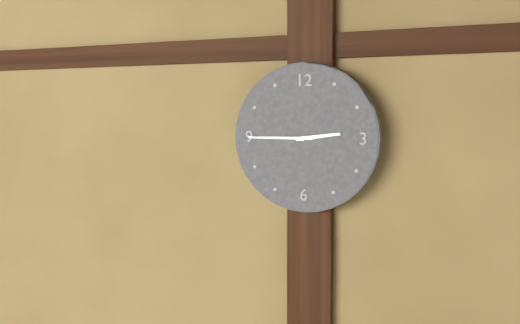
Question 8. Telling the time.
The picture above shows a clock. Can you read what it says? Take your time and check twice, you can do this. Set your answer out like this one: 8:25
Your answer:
2:45
